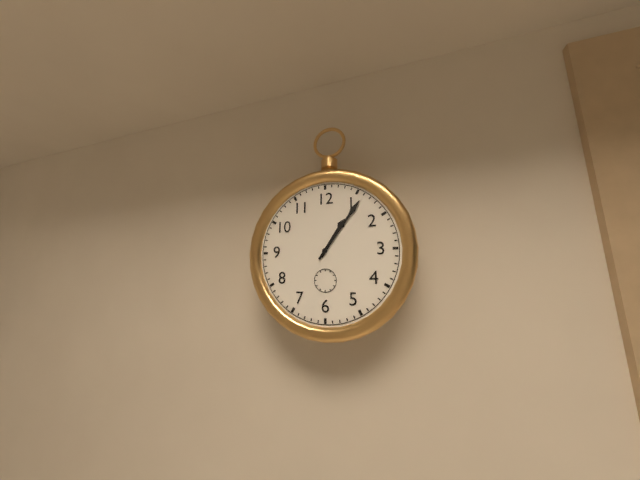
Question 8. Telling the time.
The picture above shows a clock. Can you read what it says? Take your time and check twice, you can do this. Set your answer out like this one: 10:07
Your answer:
1:06
